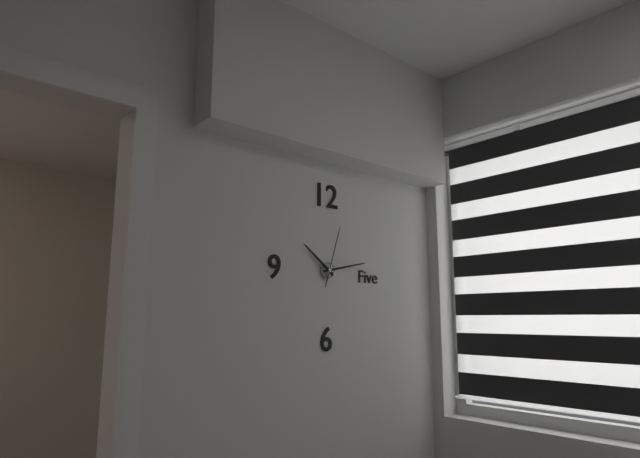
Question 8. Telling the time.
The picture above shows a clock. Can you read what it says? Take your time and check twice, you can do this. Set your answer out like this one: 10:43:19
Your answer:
10:13:03
